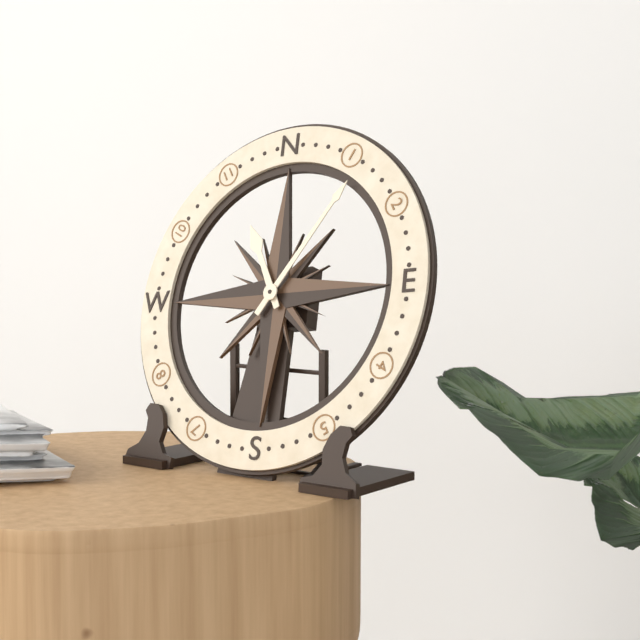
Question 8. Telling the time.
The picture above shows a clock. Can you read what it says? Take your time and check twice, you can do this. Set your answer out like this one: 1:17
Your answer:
11:06
